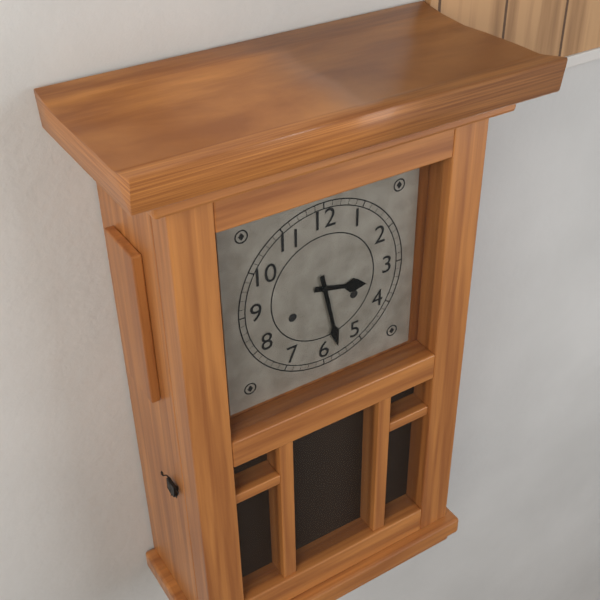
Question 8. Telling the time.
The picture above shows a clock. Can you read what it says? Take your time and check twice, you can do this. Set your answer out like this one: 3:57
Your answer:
3:28
